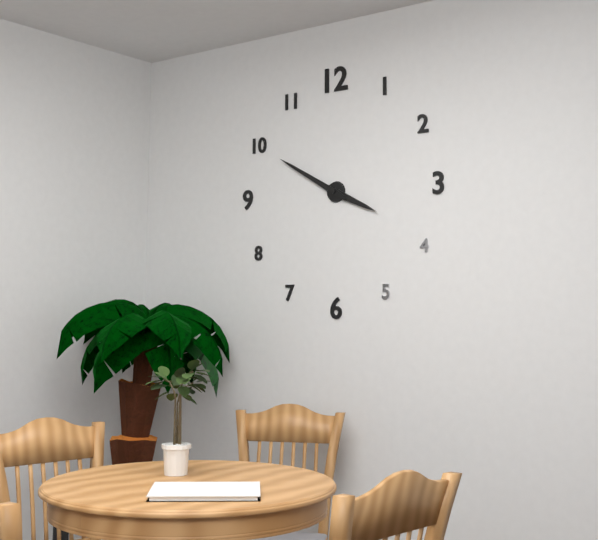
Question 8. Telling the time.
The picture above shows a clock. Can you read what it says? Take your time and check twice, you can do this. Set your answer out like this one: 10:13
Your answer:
3:50
